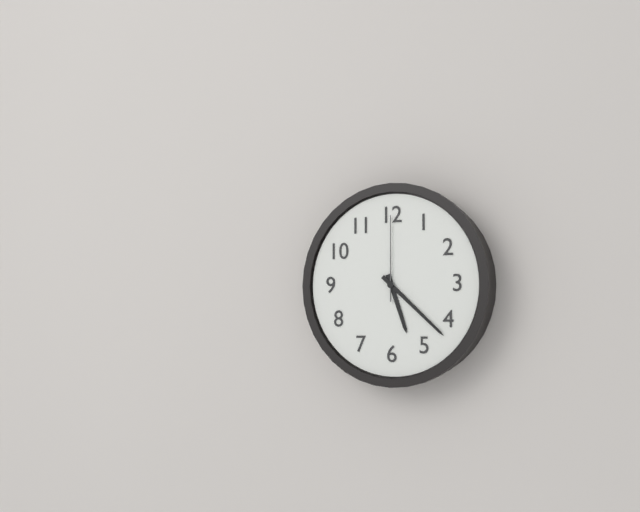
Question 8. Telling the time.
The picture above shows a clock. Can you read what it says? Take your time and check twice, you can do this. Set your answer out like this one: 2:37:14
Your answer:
5:22:00
